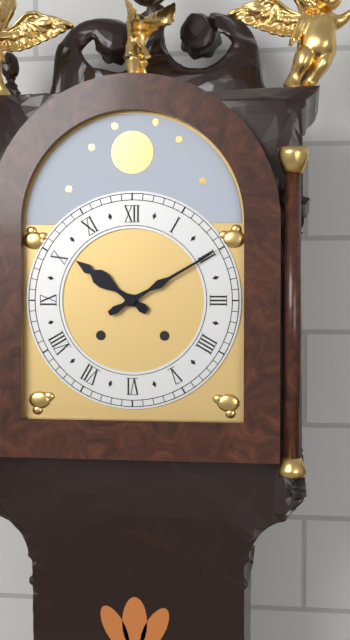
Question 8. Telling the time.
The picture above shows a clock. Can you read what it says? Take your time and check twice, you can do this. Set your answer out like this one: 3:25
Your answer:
10:10
